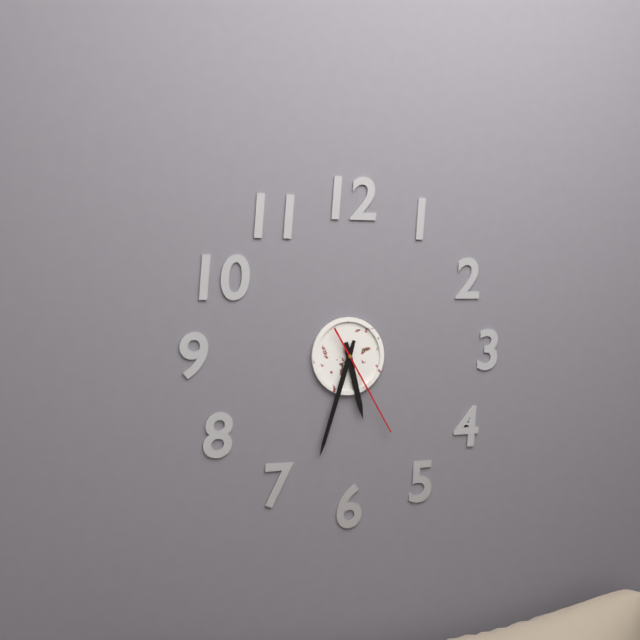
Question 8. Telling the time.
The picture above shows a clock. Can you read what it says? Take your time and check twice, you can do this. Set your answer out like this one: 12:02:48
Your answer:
5:33:25
